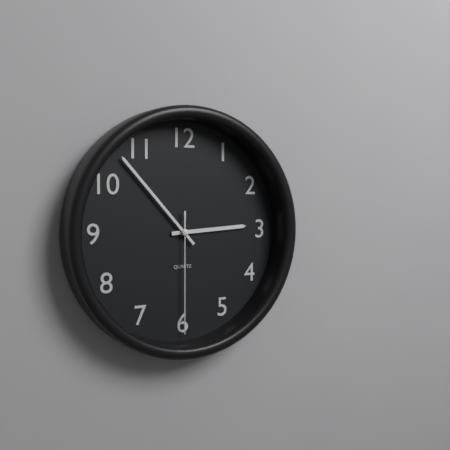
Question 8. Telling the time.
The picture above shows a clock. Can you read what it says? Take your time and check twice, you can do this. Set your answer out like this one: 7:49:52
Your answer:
2:53:30
